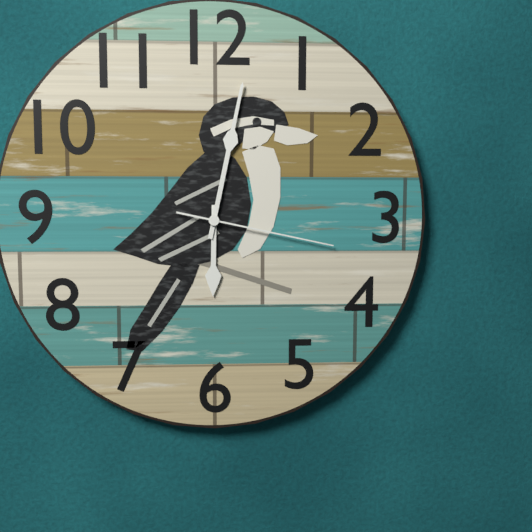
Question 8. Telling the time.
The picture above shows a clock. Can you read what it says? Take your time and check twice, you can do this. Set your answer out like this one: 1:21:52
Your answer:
6:02:17
